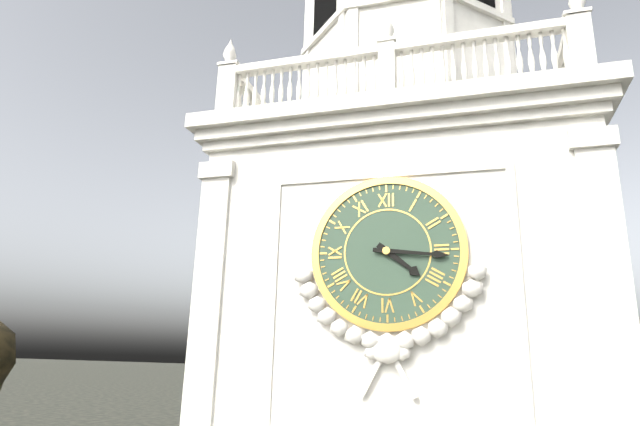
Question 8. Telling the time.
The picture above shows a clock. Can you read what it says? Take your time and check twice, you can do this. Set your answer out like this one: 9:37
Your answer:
4:16
